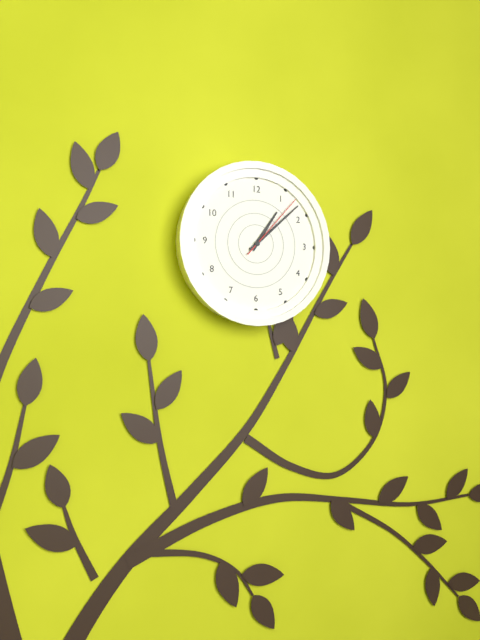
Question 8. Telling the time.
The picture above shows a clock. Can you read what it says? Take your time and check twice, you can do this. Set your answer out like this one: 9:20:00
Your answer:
1:08:07
